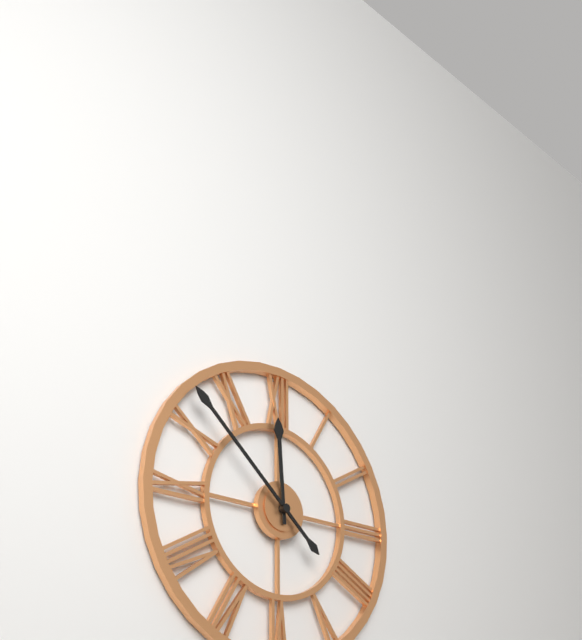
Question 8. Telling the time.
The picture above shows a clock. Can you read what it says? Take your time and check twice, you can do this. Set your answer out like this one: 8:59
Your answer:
11:52
